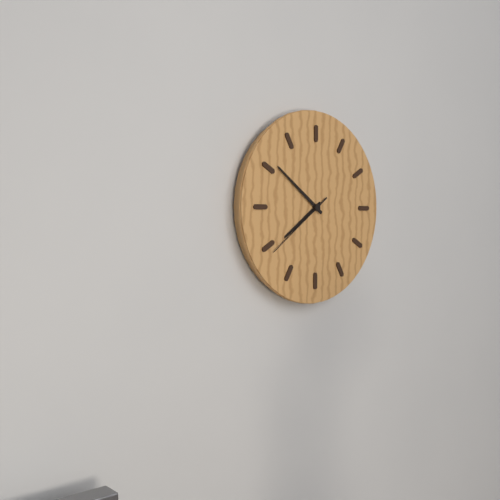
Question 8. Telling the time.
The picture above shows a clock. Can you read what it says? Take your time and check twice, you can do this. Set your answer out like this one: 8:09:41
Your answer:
7:51:39
